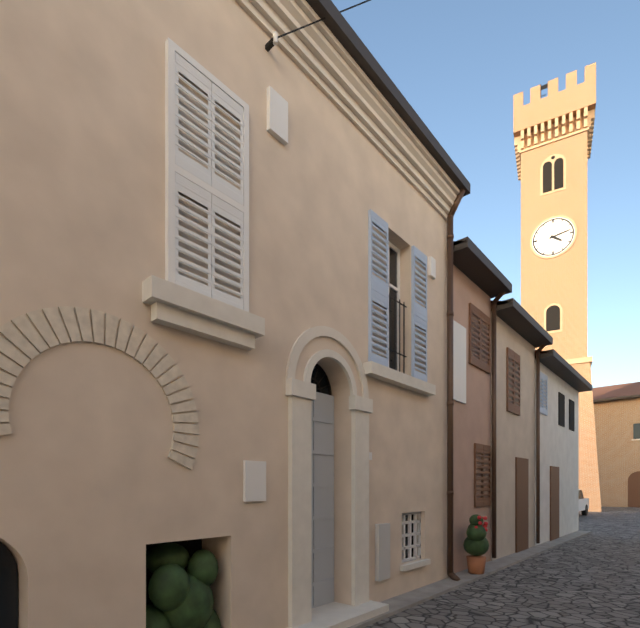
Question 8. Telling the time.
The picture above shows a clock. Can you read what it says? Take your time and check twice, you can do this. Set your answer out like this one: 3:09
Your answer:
4:13
